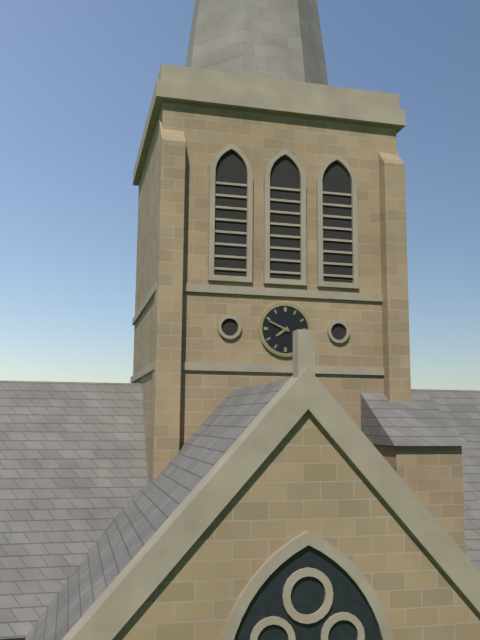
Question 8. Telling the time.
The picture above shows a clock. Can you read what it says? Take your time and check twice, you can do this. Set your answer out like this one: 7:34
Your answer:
7:49
